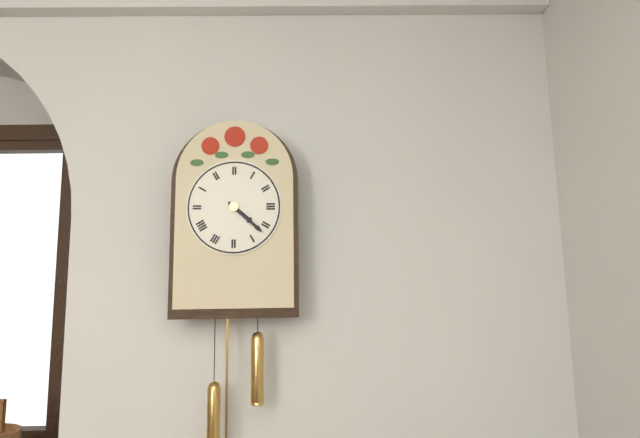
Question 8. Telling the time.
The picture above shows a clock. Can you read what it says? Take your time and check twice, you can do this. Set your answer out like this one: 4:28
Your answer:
4:22
